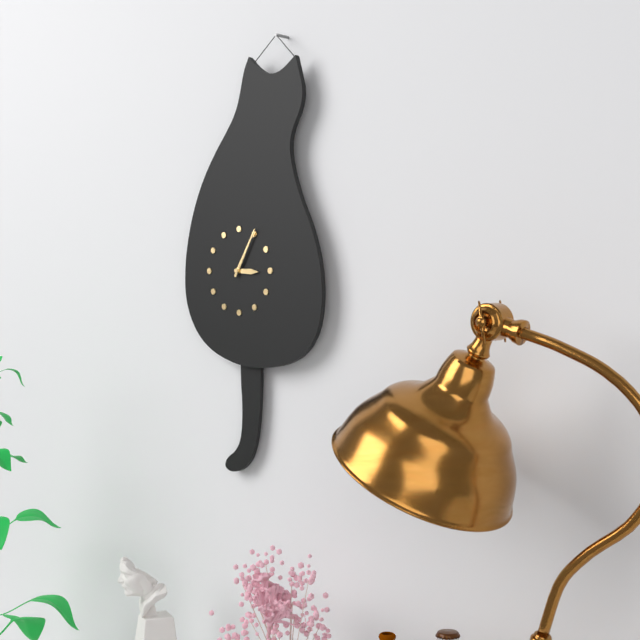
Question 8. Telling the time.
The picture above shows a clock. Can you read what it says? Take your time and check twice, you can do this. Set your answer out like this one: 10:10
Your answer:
3:05
